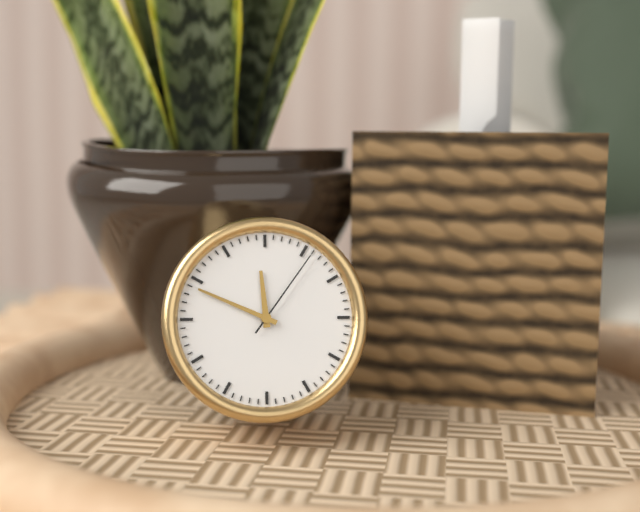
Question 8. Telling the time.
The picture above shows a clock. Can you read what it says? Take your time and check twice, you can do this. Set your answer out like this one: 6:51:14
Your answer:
11:49:06
